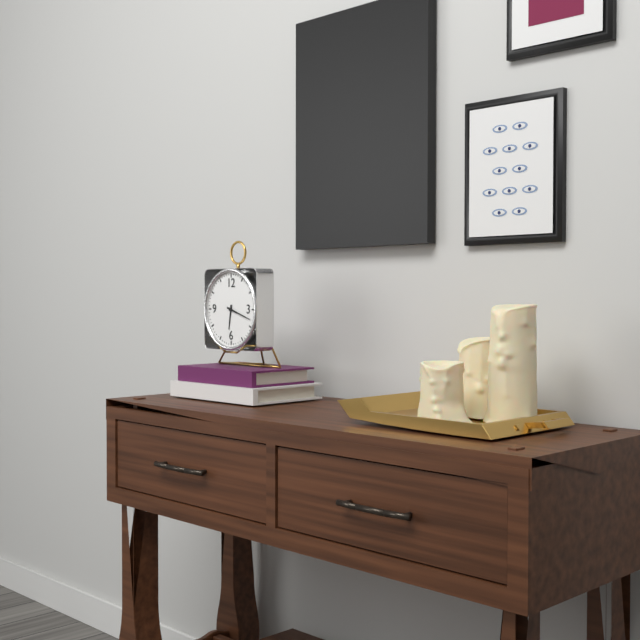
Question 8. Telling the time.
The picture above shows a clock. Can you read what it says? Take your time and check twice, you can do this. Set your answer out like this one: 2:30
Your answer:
6:18
